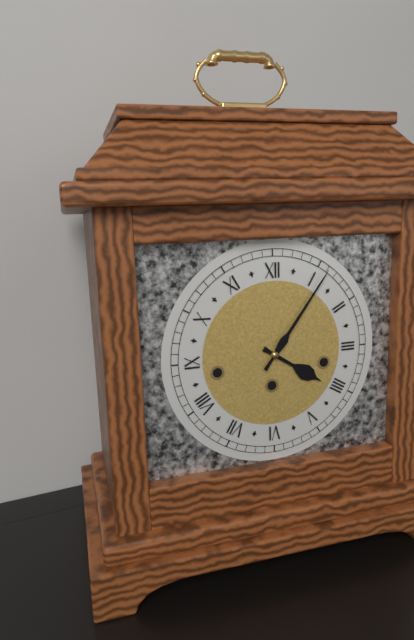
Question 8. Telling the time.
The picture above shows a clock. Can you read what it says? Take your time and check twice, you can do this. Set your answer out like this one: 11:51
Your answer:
4:06
